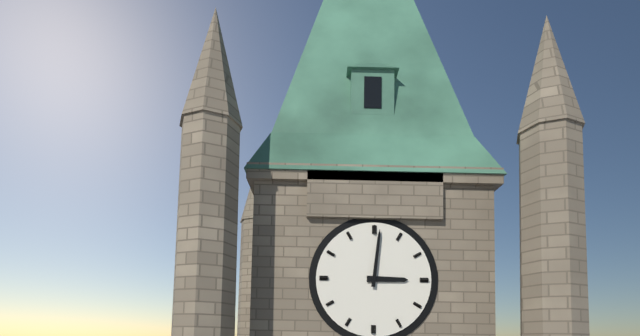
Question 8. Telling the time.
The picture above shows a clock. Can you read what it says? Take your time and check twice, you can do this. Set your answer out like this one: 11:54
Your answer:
3:01
